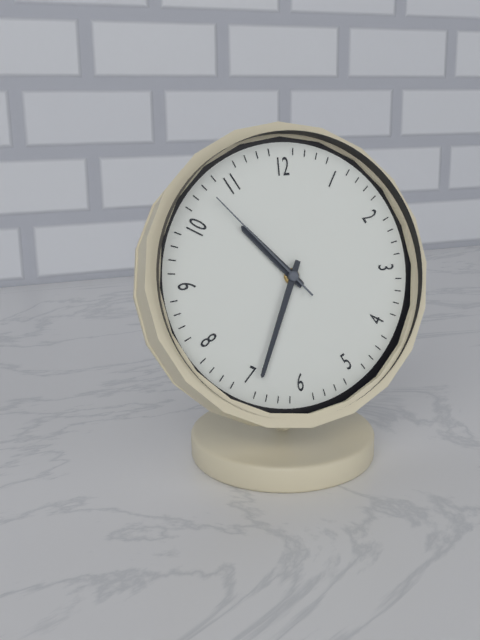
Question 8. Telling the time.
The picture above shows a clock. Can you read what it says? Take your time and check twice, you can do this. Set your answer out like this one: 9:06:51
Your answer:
10:34:53
